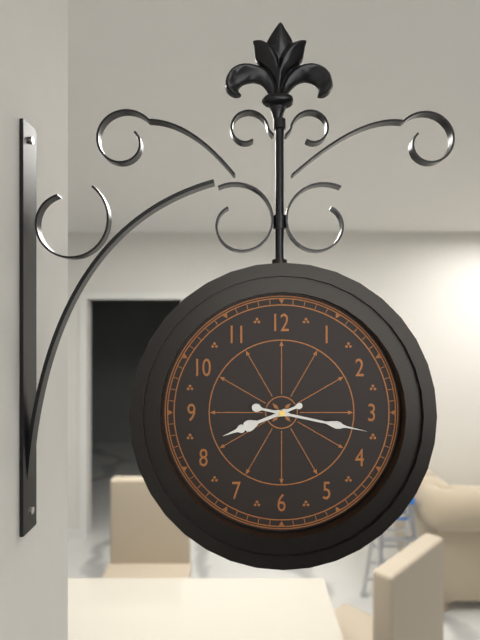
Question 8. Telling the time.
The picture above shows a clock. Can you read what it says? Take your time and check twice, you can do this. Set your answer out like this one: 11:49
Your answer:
8:17
